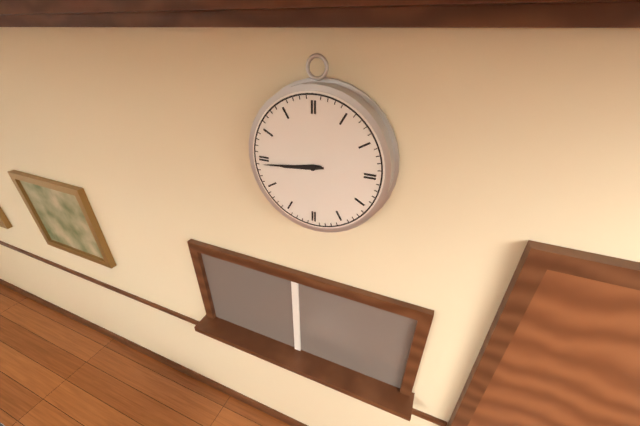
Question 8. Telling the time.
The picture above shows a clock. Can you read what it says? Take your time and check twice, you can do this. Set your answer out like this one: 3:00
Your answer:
8:44
